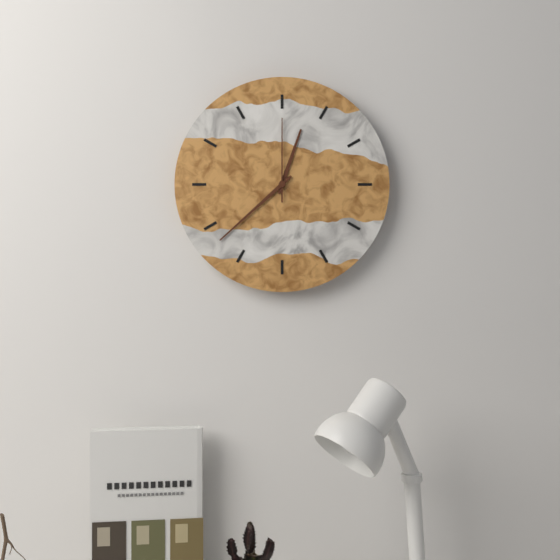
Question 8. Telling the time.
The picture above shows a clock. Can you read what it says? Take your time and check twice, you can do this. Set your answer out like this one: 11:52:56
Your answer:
12:38:00
